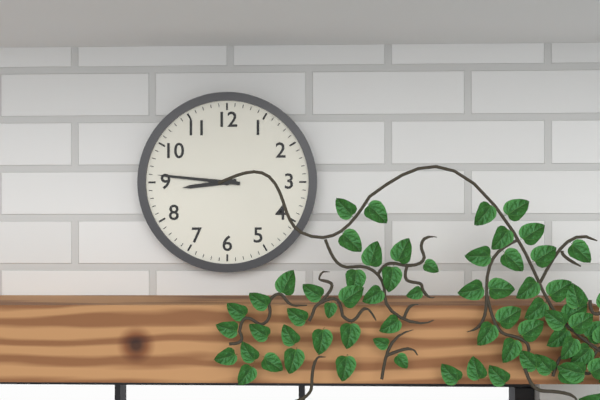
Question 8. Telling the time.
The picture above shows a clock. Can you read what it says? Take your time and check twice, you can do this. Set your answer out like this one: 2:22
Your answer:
8:46
